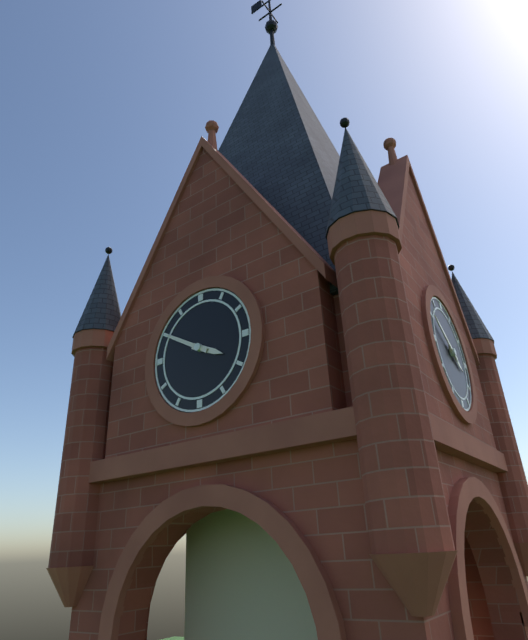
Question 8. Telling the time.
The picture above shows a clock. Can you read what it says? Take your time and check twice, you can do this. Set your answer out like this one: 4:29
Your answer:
3:50
